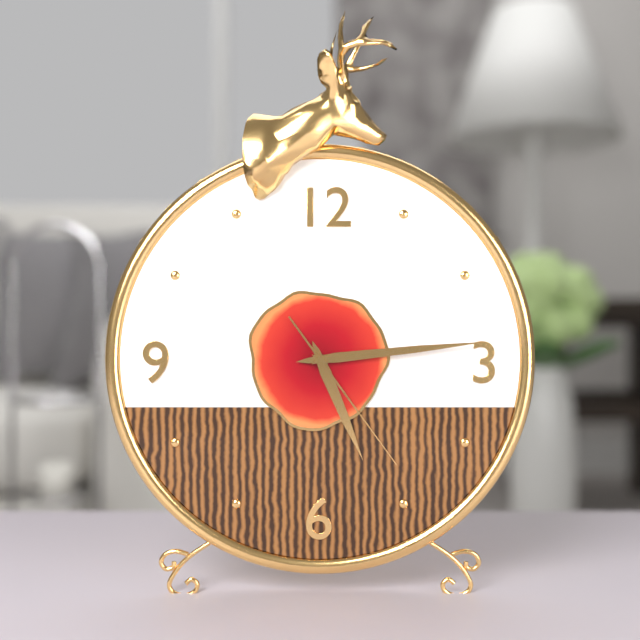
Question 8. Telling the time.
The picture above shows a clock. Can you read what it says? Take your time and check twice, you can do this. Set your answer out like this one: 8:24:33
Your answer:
5:14:24
